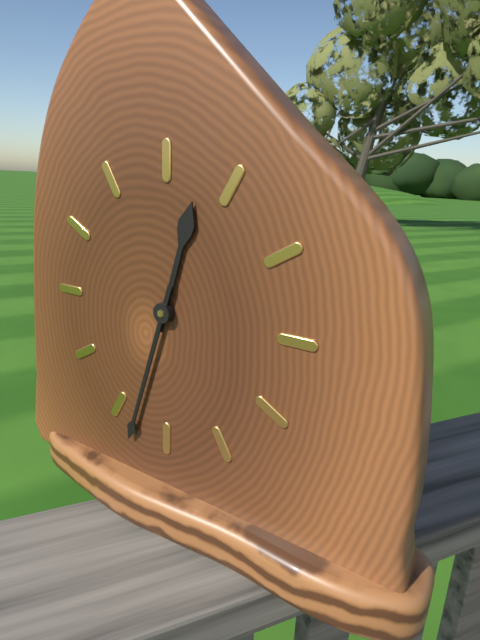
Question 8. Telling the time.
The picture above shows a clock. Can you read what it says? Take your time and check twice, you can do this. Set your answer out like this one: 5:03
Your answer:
12:33
